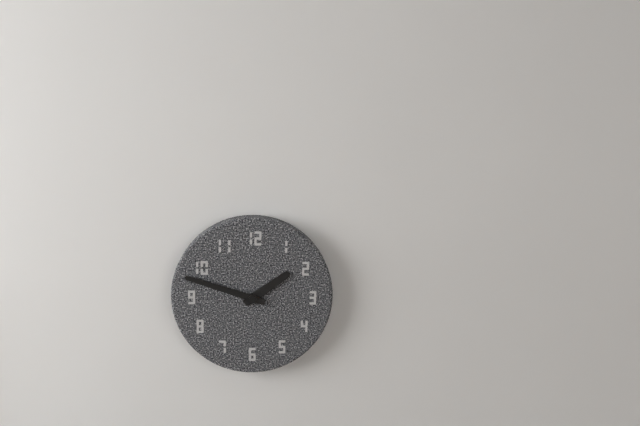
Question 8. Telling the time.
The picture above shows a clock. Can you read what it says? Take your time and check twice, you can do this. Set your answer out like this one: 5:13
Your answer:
1:48
